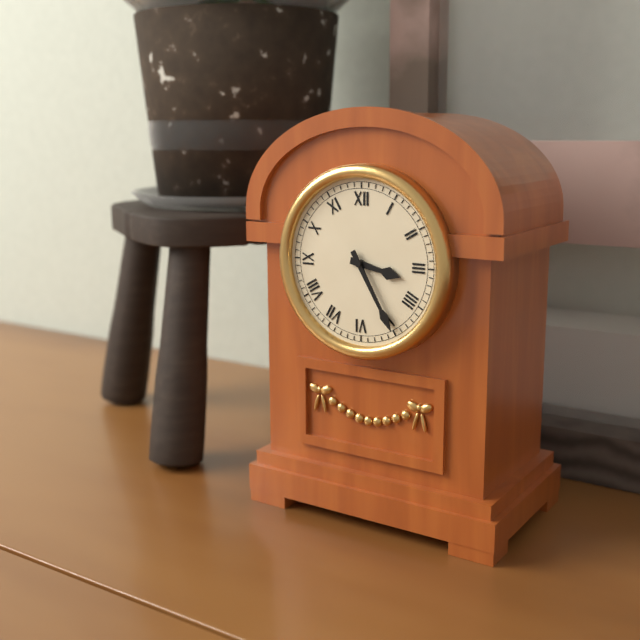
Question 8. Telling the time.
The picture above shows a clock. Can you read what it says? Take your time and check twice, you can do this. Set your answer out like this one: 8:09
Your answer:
3:25
